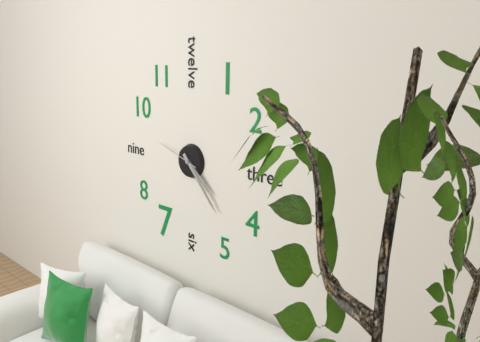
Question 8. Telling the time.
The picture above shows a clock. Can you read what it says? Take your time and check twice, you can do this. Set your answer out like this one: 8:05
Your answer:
4:23
